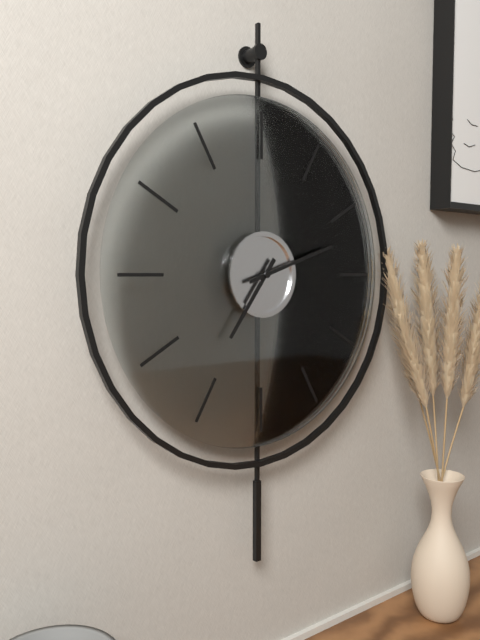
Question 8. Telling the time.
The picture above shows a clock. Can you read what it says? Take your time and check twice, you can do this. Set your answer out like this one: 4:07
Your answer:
7:12
